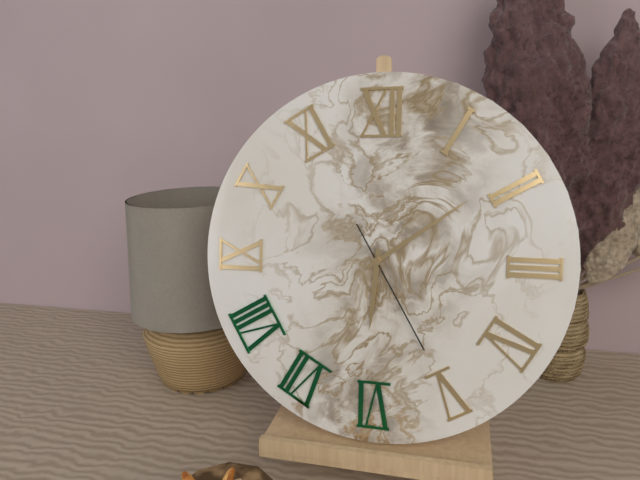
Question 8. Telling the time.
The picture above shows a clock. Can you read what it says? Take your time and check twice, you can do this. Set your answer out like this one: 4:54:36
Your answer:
6:09:25
